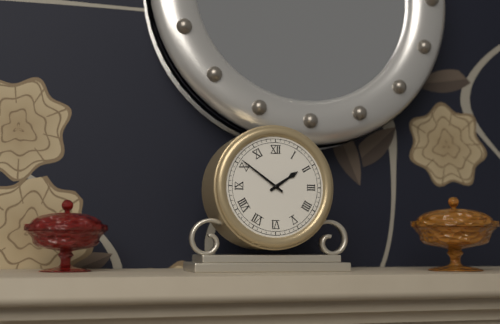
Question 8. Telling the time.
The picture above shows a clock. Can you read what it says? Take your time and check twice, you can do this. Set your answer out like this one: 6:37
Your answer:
1:51
